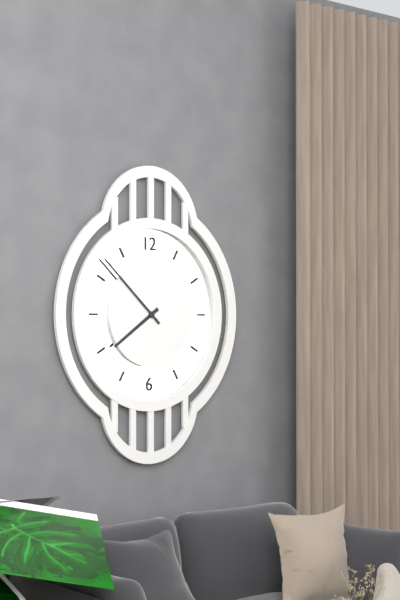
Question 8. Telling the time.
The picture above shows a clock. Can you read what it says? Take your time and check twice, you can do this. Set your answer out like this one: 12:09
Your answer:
7:52
